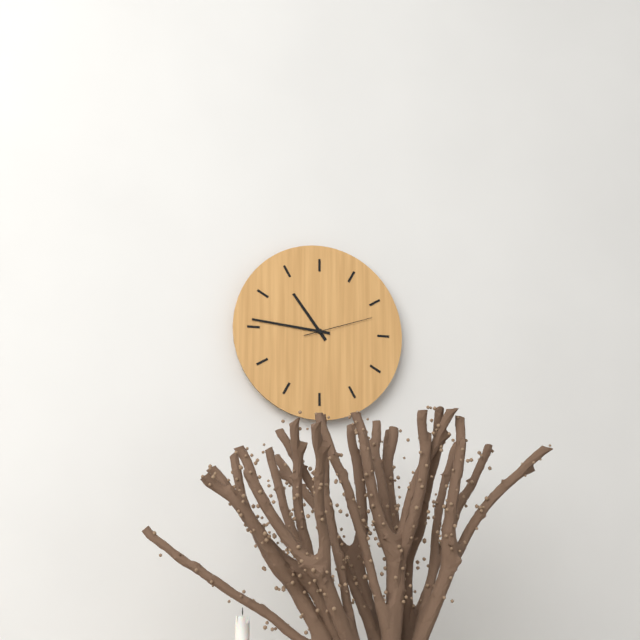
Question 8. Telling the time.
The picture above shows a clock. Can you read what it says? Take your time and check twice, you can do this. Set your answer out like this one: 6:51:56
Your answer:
10:46:12
